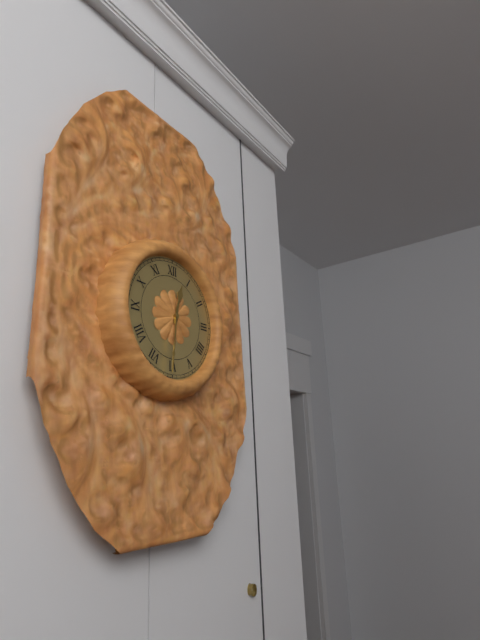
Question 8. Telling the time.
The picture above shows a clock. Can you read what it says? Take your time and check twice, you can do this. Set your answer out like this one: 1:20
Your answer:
12:31
